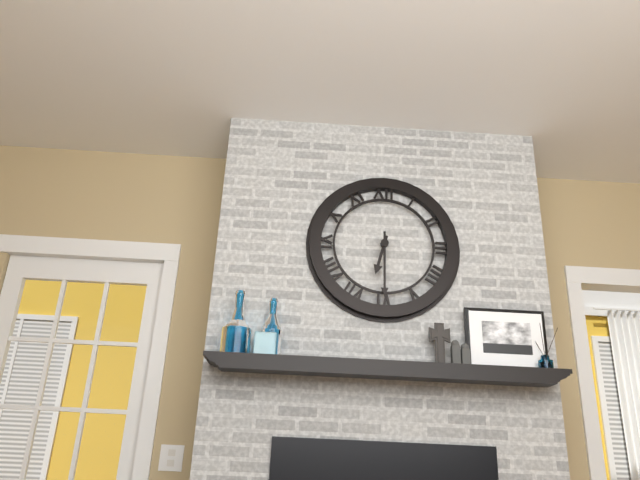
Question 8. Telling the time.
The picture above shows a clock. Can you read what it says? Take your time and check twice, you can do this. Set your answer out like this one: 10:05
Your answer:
6:30
